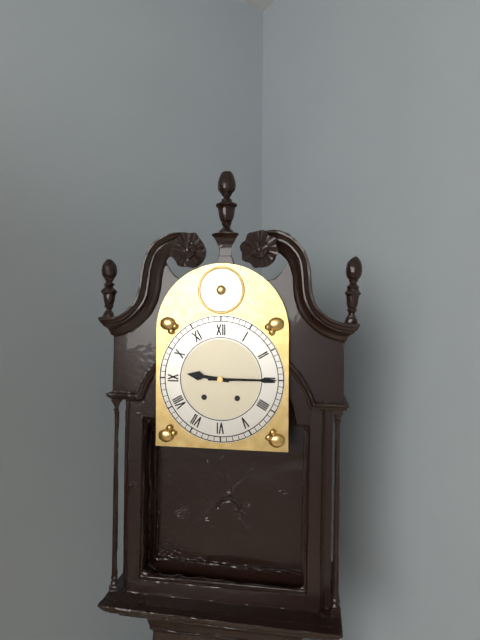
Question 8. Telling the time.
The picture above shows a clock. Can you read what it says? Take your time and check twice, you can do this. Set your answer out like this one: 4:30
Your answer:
9:15
